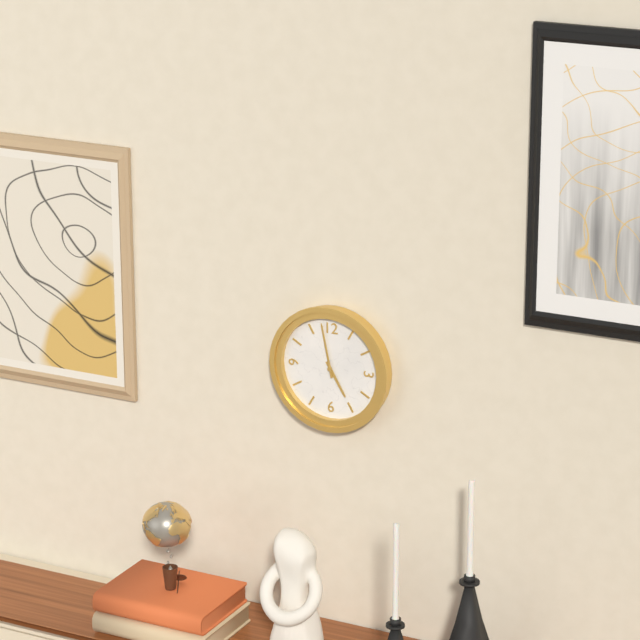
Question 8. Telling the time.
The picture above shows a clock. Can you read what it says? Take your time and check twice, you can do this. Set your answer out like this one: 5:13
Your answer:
4:58
